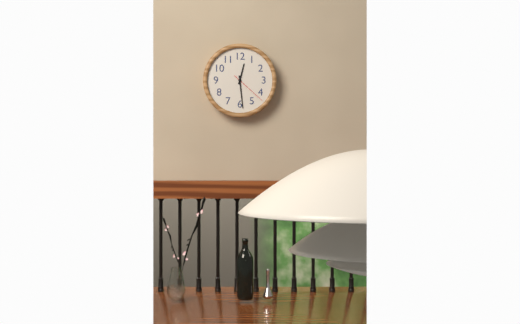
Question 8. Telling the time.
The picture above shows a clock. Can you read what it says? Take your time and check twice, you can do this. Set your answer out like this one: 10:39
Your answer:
12:29
